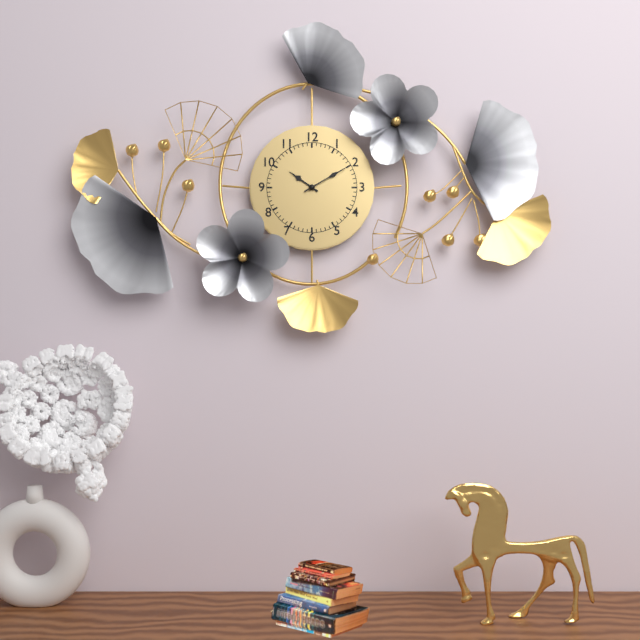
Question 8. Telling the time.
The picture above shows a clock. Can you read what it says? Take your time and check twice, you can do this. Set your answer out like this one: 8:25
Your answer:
10:10
